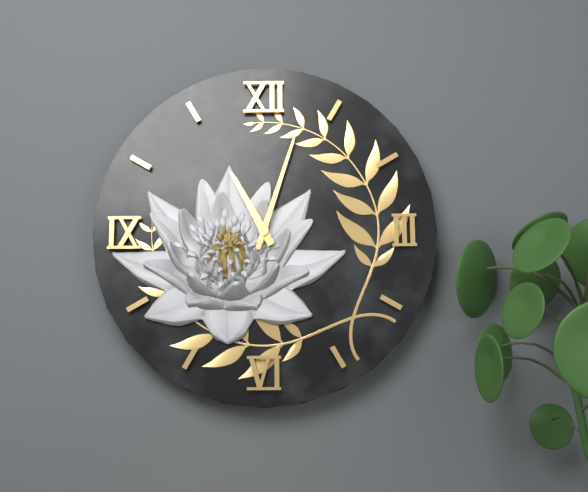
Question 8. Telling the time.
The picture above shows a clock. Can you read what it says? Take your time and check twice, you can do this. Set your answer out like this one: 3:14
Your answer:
11:03
